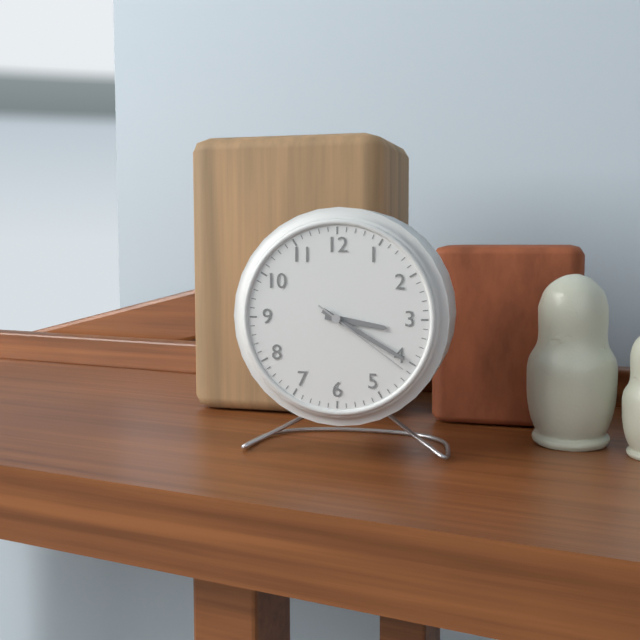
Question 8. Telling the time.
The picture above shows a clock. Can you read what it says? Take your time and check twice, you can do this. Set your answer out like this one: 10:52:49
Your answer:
3:20:21
